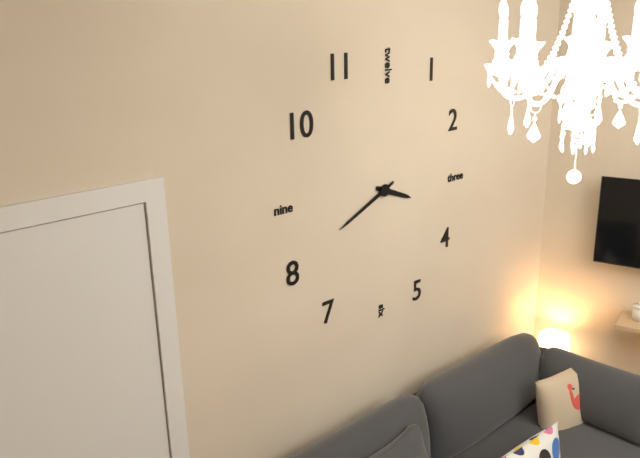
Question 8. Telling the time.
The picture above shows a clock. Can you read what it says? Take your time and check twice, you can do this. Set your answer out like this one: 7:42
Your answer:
3:41
